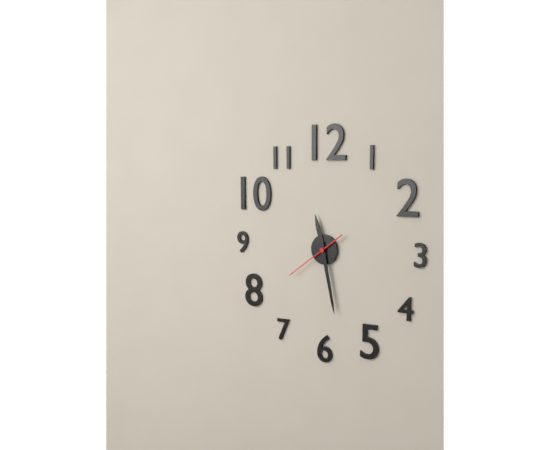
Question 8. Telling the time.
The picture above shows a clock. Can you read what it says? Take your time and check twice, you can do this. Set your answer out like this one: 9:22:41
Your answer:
11:28:39
